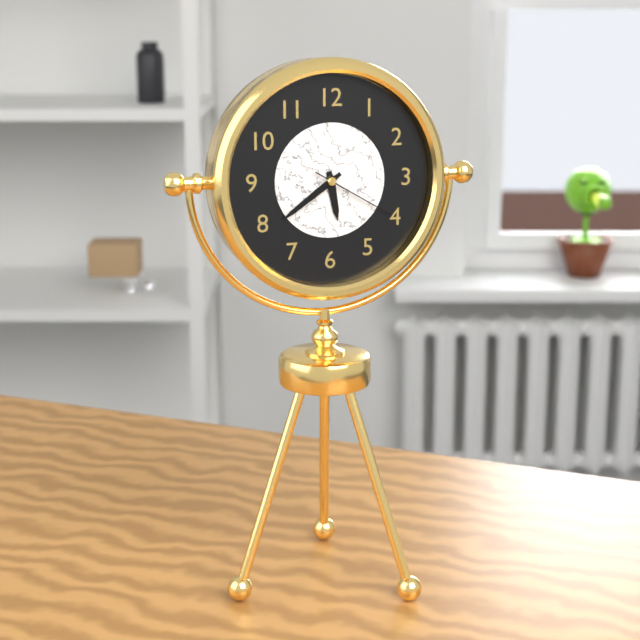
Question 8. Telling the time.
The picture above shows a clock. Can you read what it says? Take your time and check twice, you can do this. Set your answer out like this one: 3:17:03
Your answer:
5:39:20
